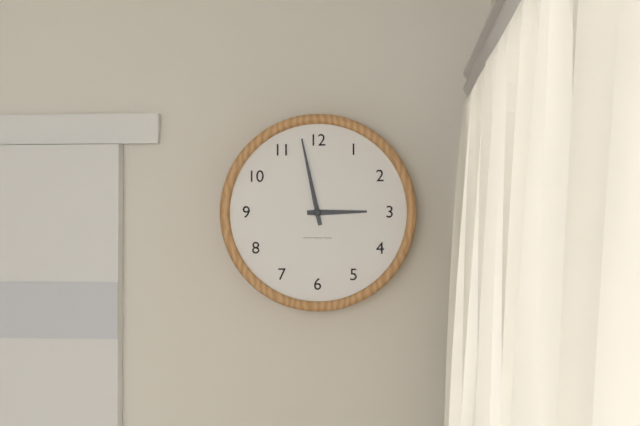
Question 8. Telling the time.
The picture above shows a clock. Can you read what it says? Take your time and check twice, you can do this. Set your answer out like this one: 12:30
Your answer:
2:58
